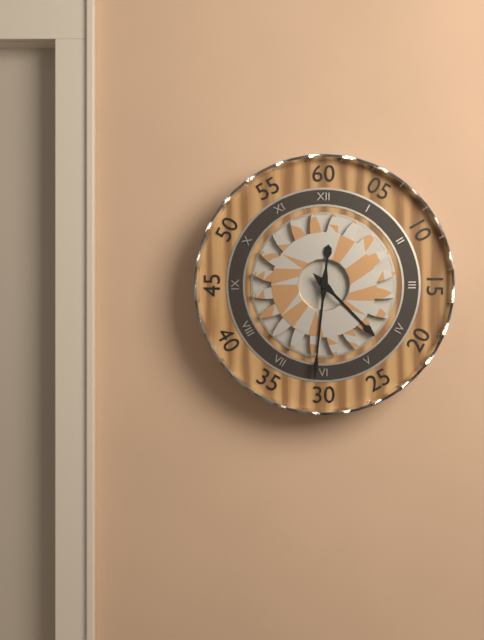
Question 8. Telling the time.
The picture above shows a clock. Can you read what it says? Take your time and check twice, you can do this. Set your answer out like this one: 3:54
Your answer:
4:31
